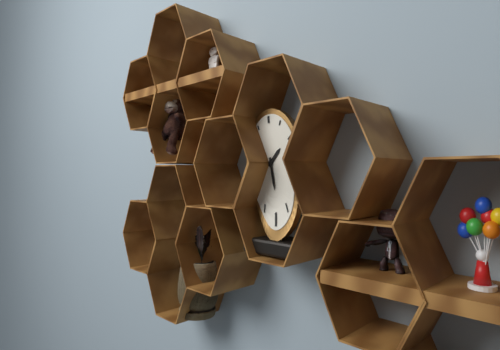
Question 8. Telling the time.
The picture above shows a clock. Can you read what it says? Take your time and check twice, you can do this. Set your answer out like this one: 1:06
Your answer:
1:29
